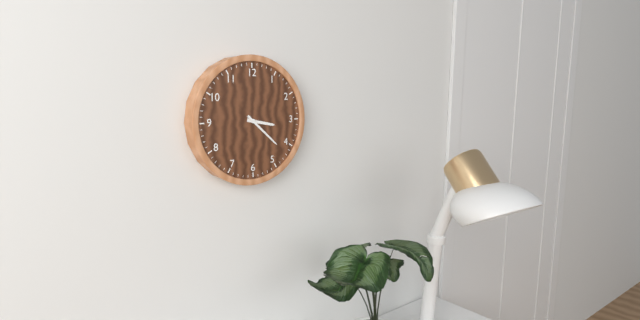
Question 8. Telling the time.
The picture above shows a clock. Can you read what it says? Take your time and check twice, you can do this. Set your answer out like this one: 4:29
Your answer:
3:22
